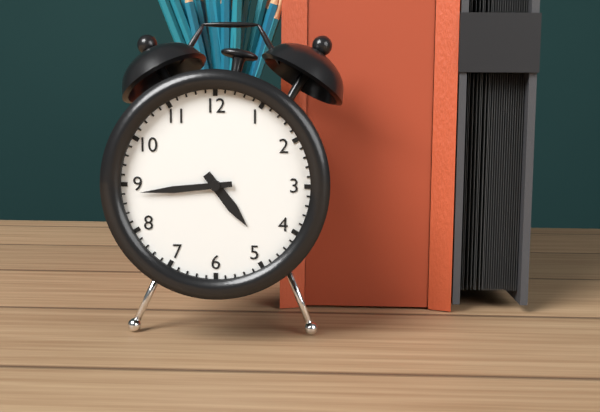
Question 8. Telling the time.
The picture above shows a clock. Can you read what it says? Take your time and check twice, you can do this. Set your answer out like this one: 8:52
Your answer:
4:44
